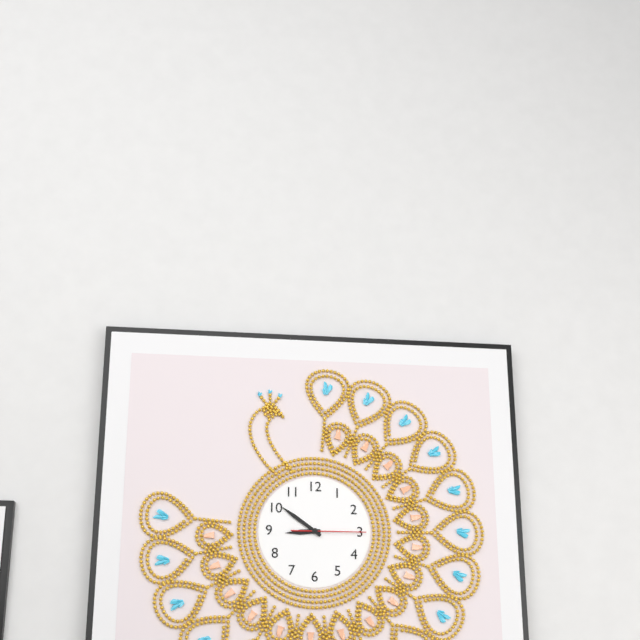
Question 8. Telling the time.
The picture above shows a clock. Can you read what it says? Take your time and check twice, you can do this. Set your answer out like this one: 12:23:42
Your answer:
8:51:15
